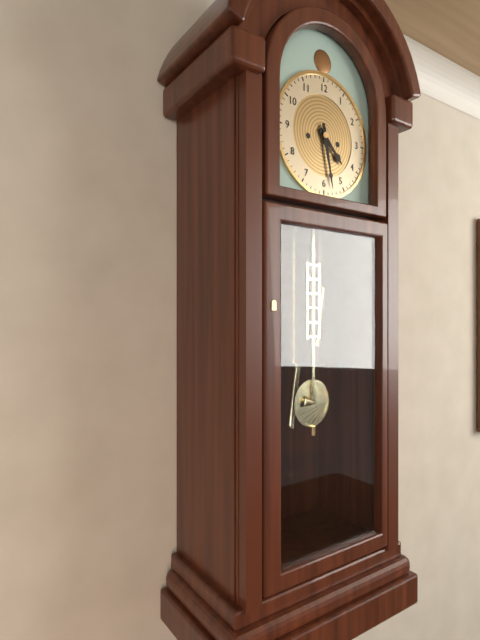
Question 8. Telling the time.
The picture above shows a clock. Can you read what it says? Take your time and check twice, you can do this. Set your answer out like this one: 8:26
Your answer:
4:28
